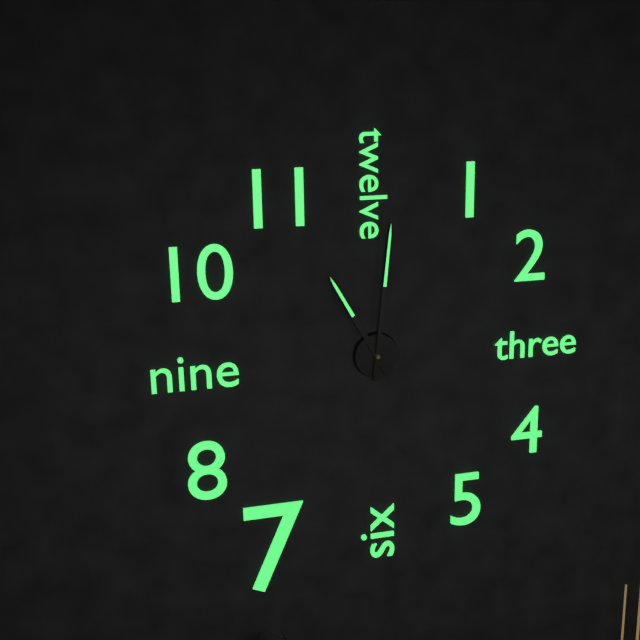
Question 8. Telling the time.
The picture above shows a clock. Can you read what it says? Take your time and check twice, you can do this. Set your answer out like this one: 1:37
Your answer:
11:01
